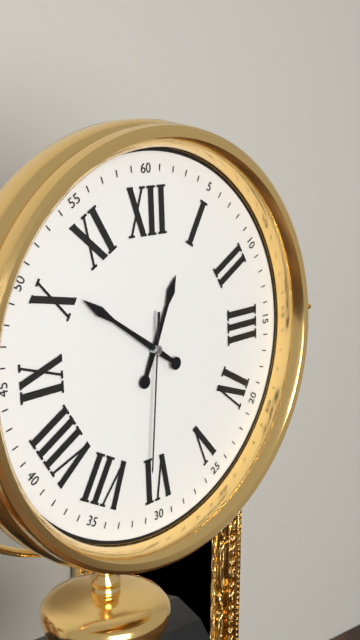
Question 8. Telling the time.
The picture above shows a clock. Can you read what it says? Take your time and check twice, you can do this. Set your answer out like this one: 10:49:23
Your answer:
12:51:31
